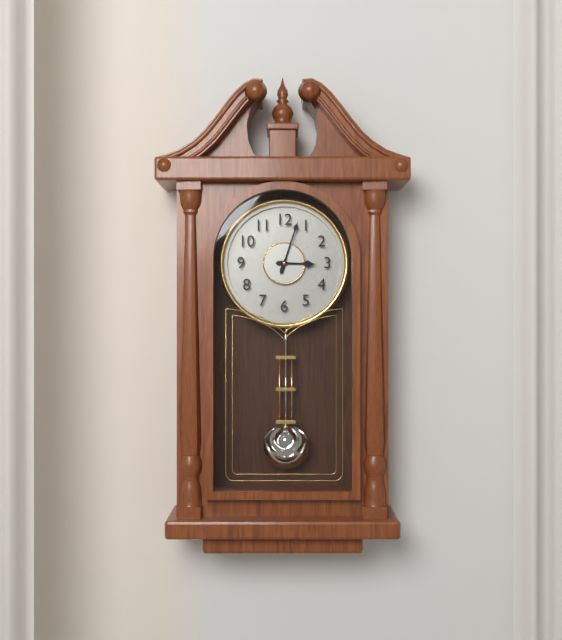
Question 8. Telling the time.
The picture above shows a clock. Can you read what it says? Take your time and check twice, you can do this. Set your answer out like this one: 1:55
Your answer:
3:03
